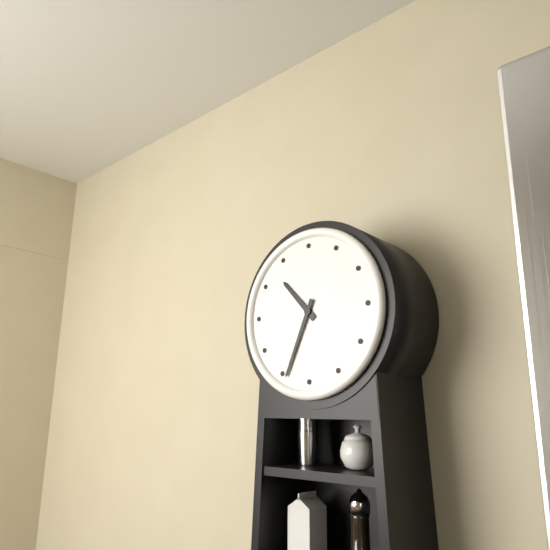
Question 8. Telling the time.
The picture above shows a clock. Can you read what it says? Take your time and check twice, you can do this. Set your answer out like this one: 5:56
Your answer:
10:34
